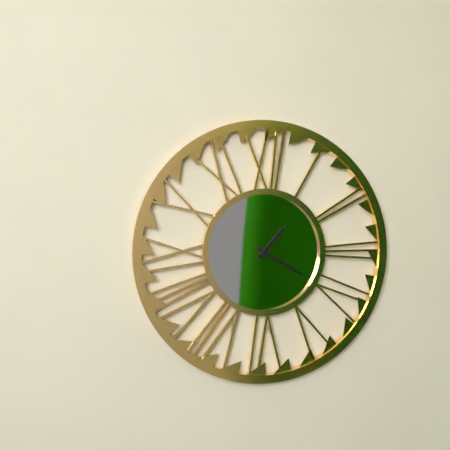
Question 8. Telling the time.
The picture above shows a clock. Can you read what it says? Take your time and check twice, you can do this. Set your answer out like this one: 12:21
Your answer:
1:20
